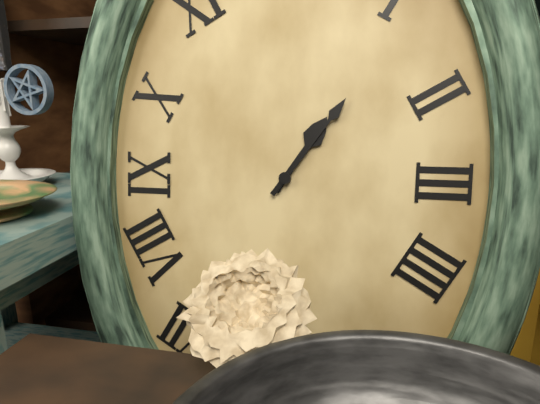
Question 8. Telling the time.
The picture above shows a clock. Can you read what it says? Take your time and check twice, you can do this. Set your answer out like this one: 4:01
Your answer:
1:06
